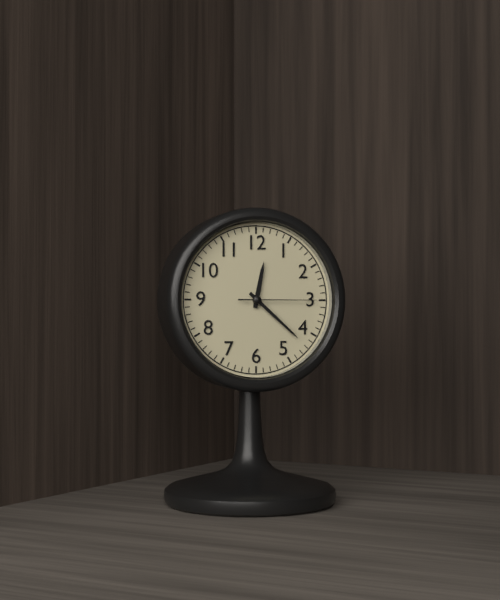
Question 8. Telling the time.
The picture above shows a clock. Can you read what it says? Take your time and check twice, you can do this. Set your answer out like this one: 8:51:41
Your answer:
12:22:15
